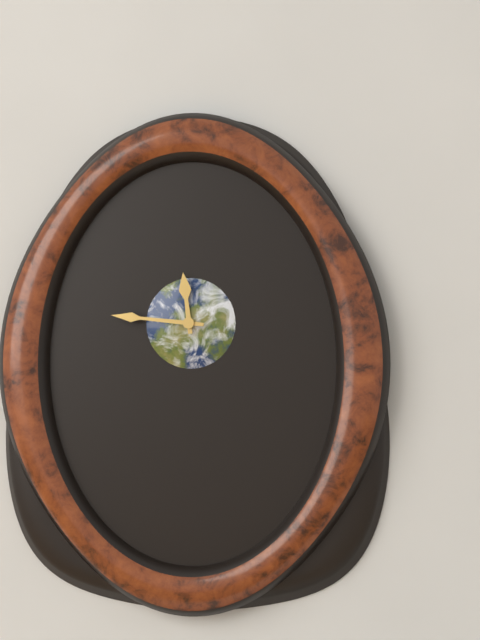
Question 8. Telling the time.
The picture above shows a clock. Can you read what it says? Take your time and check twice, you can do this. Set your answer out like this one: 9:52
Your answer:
11:46
